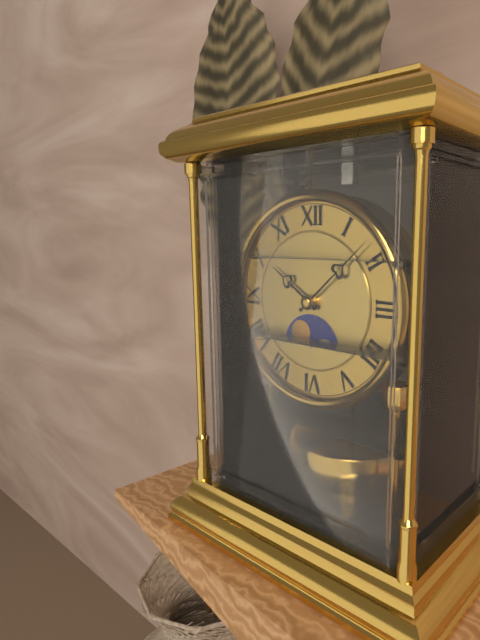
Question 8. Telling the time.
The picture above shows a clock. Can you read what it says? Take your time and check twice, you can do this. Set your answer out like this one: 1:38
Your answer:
10:08
